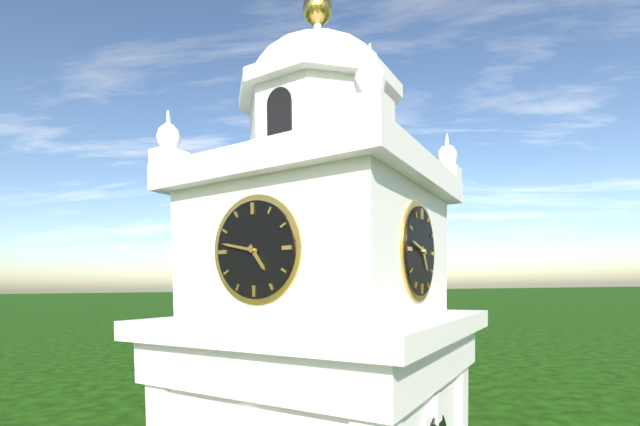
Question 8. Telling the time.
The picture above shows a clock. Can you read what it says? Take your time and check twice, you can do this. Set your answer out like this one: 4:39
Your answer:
4:47
